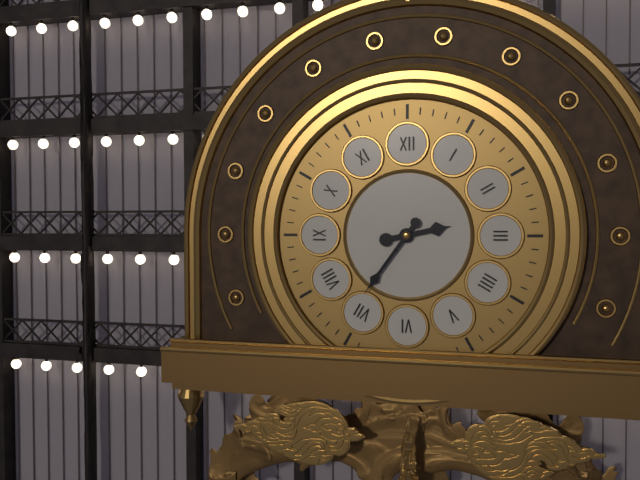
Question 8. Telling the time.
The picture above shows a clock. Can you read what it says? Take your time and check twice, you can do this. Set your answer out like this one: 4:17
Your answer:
2:36
